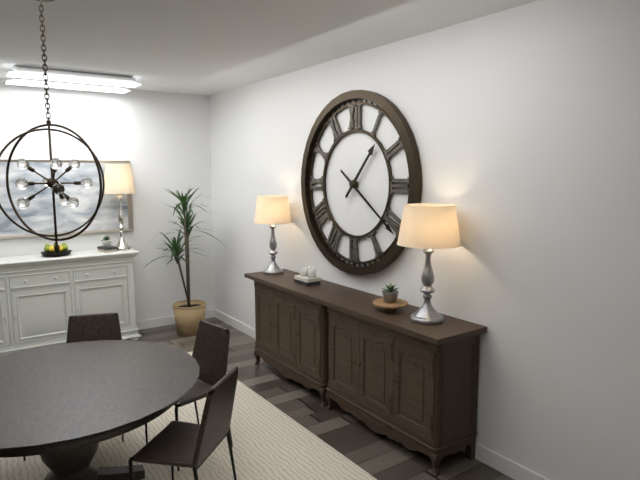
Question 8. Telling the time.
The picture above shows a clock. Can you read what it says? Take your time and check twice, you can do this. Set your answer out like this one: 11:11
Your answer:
1:21
